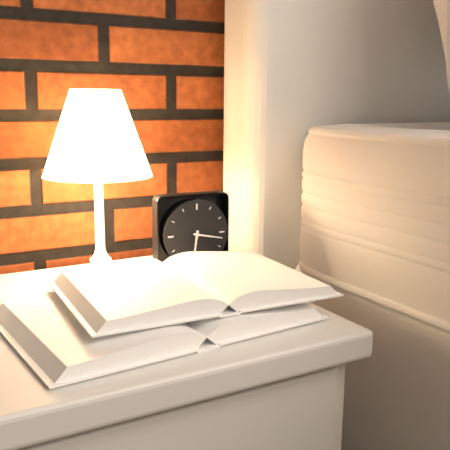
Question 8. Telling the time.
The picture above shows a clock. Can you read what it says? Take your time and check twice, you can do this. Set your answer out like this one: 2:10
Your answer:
6:17
